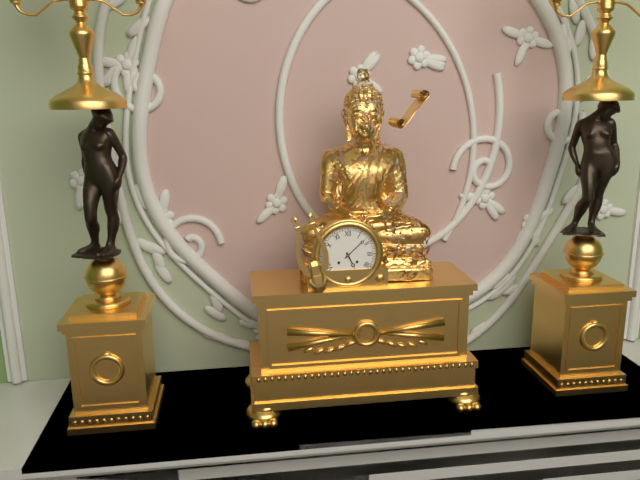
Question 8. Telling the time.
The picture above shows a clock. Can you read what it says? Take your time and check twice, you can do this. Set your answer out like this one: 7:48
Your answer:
5:08
